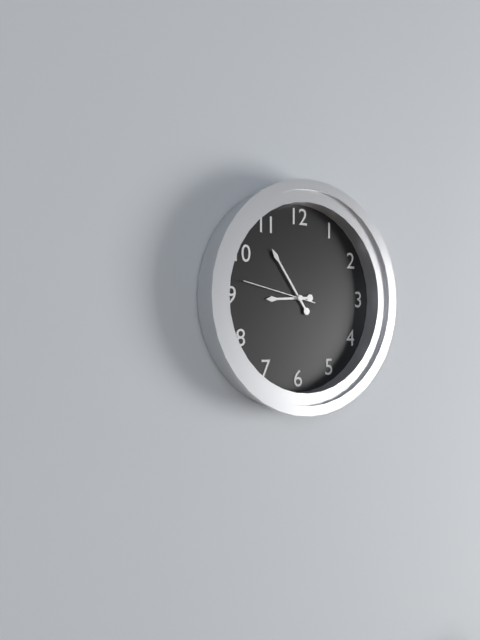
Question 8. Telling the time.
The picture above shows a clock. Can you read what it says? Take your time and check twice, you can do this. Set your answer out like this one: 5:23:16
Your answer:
8:54:47
